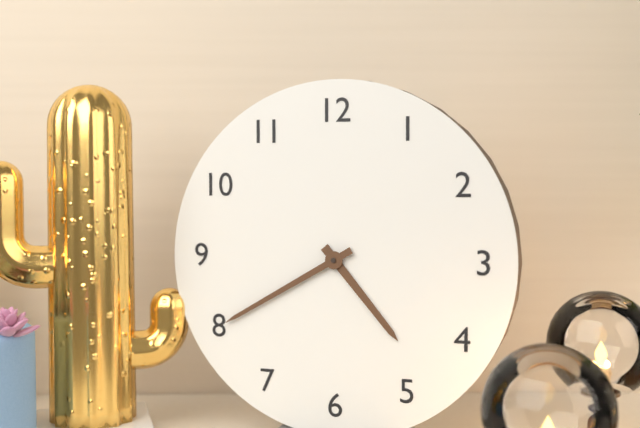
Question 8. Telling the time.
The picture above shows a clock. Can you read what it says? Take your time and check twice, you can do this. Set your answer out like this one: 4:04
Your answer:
4:40
